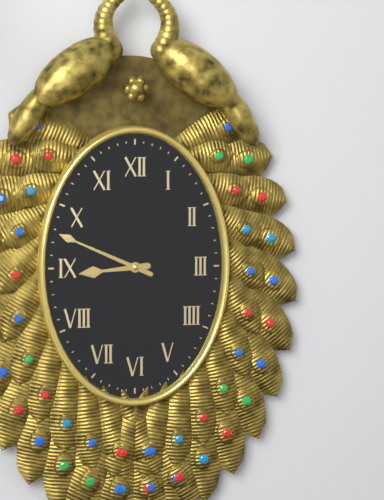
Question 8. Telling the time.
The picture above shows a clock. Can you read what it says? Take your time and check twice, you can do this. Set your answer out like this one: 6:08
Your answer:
8:49
